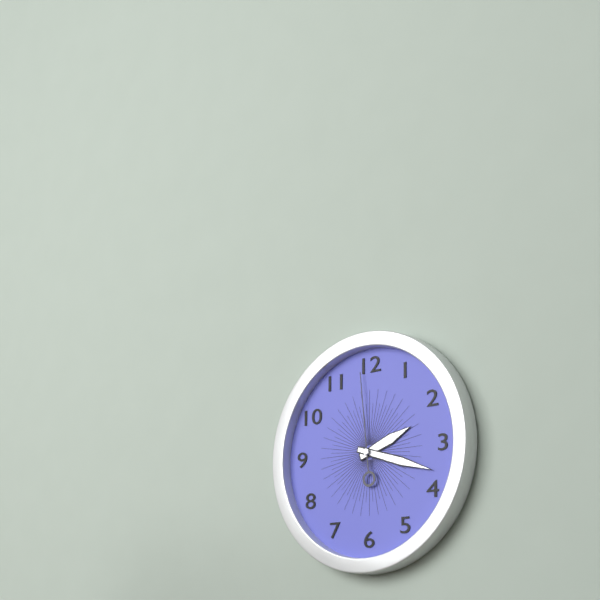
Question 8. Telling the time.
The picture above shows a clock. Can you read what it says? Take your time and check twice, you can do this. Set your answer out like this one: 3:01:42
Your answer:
2:18:59
